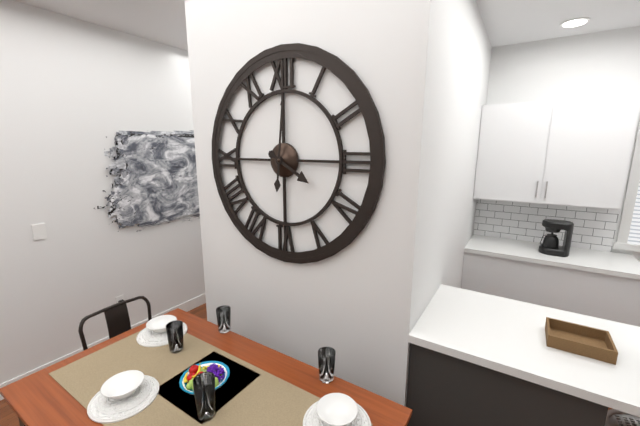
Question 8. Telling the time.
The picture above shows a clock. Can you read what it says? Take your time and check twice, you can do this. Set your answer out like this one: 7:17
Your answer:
4:01
